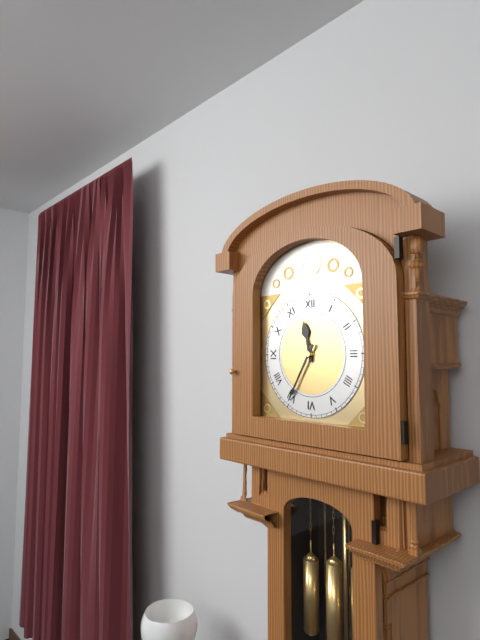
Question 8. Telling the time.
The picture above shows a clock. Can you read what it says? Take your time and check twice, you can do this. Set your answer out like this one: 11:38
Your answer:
11:35
